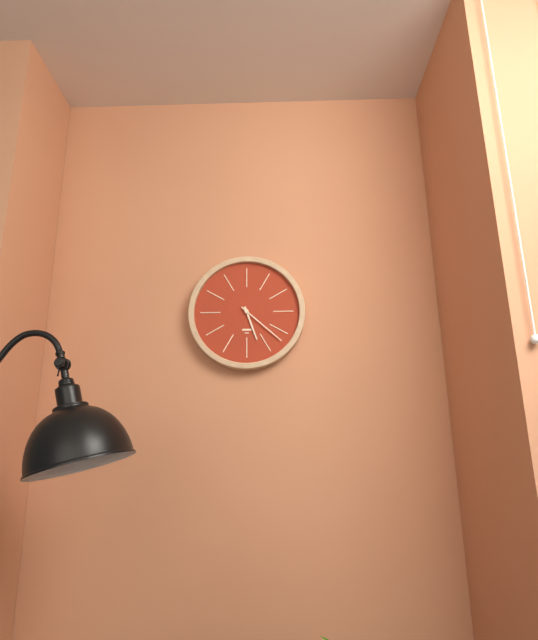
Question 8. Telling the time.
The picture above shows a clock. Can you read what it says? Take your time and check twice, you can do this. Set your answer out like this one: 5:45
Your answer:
5:22
